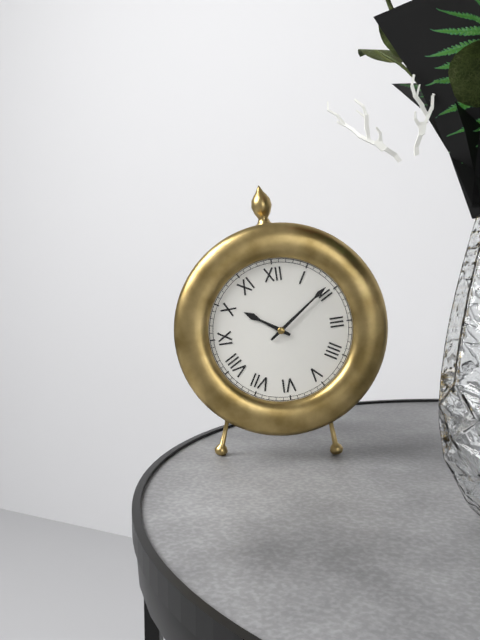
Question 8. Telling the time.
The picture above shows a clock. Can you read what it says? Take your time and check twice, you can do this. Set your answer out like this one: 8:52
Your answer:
10:09
